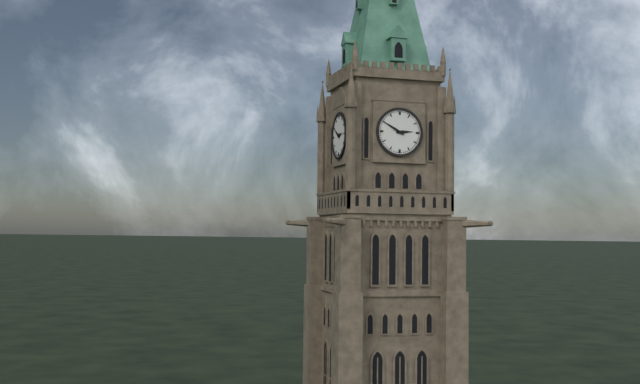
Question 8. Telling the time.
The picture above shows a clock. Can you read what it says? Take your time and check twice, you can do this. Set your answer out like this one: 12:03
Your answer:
2:50
